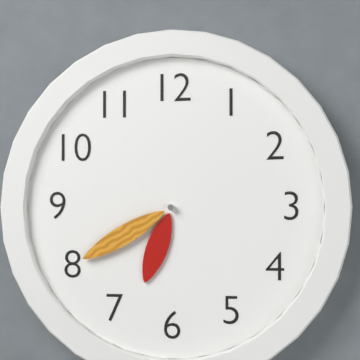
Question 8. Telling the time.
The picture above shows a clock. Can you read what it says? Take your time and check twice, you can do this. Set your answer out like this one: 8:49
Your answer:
6:40
